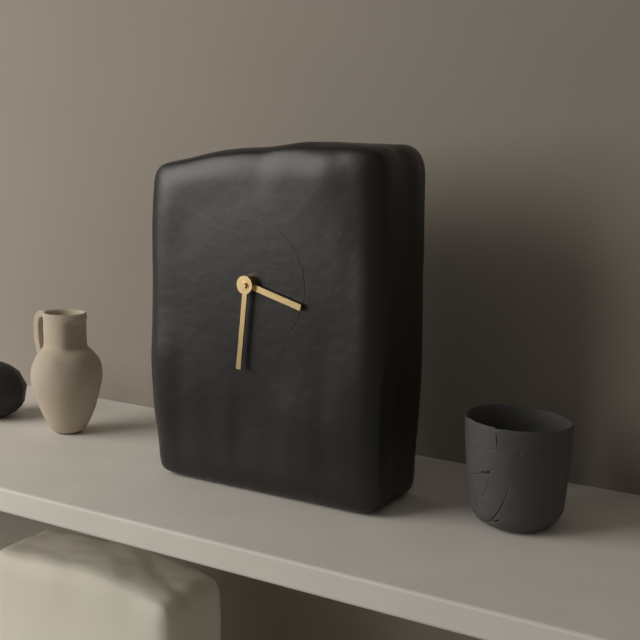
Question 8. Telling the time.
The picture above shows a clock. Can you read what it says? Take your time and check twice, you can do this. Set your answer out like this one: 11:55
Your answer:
3:31
